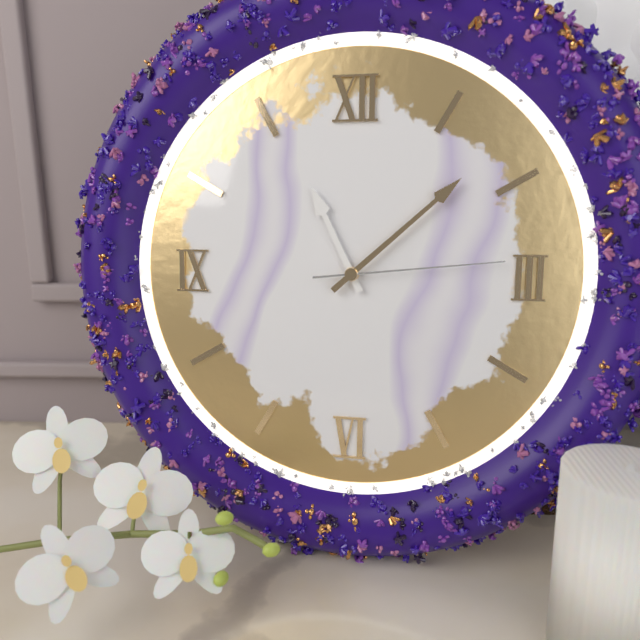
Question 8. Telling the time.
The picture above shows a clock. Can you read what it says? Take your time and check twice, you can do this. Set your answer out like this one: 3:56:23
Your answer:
11:08:14
